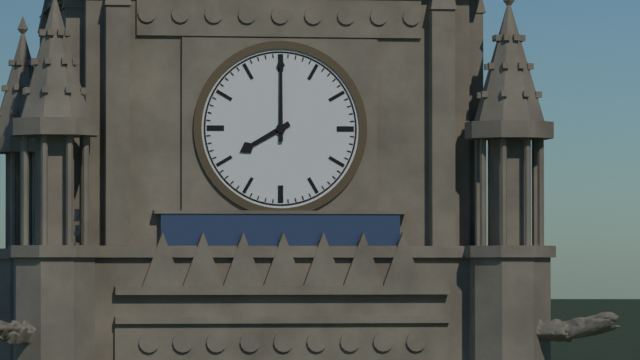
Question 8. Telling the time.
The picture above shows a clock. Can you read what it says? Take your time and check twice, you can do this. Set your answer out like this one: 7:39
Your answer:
8:00
